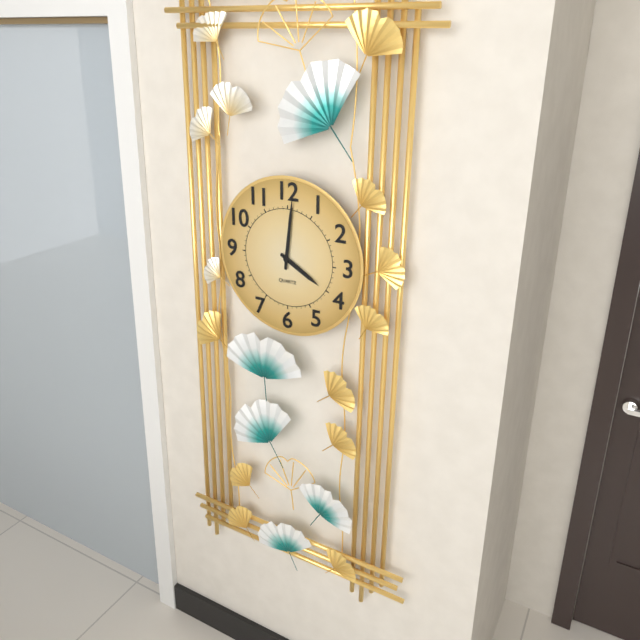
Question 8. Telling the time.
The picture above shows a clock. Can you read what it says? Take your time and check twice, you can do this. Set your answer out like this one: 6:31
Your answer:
4:01
